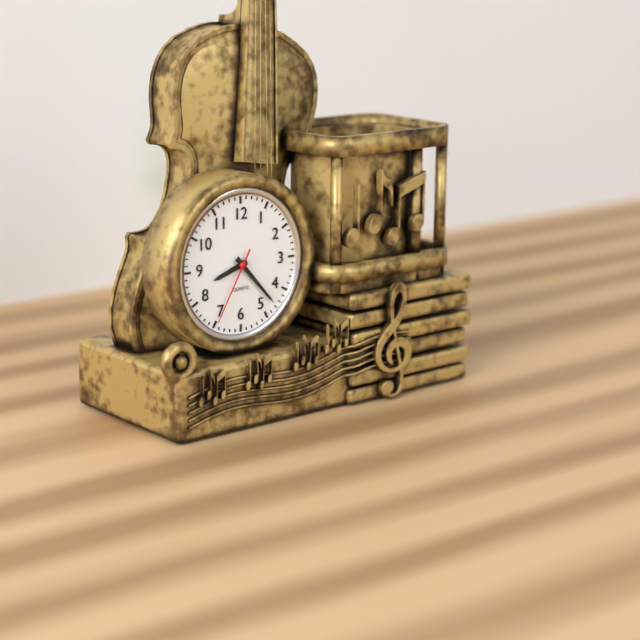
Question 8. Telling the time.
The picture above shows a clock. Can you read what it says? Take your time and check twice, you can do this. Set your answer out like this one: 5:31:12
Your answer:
8:23:35
